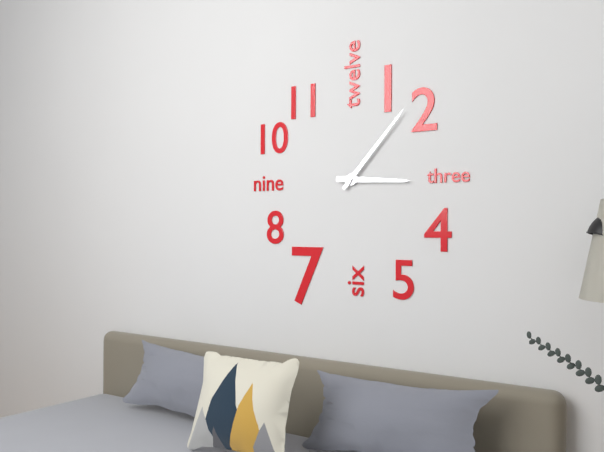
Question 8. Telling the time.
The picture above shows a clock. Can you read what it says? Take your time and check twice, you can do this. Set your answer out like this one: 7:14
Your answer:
3:07
